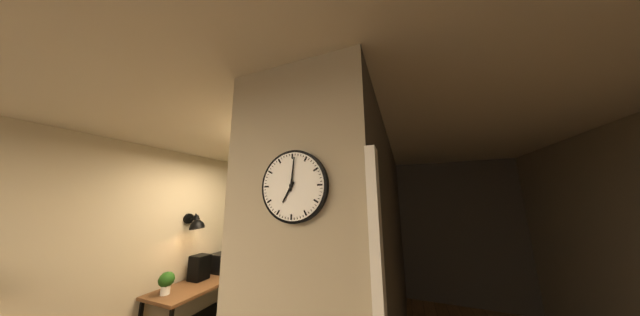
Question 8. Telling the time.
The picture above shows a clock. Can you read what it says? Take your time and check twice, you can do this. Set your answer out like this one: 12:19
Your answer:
7:01
